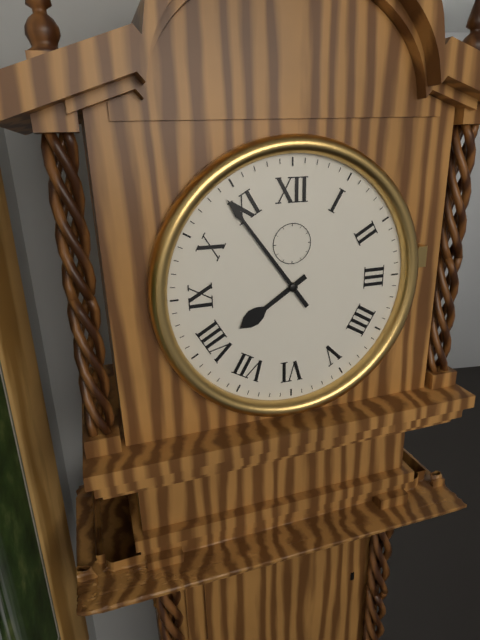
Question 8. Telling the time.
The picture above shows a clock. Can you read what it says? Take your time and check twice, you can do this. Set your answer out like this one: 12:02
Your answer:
7:54
